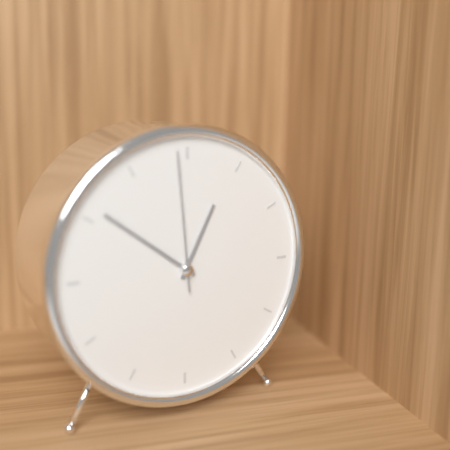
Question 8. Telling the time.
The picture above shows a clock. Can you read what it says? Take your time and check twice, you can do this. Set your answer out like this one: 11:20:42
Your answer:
12:51:59
